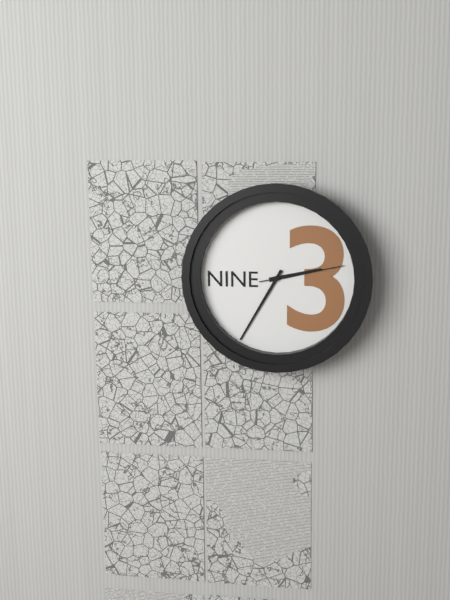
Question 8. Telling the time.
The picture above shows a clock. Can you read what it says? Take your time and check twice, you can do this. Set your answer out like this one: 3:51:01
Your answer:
2:35:13
